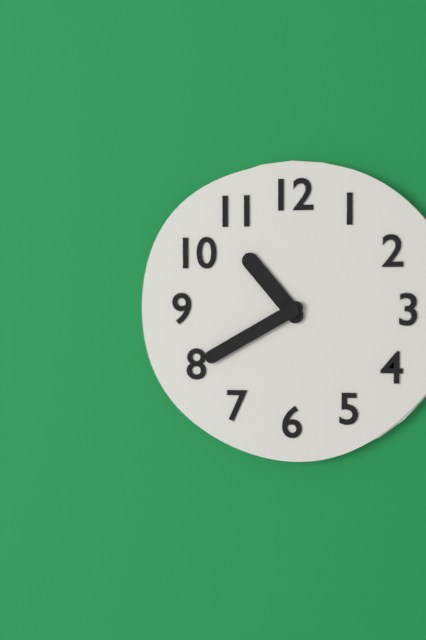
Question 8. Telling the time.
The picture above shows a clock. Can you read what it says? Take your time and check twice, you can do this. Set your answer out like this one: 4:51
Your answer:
10:40
